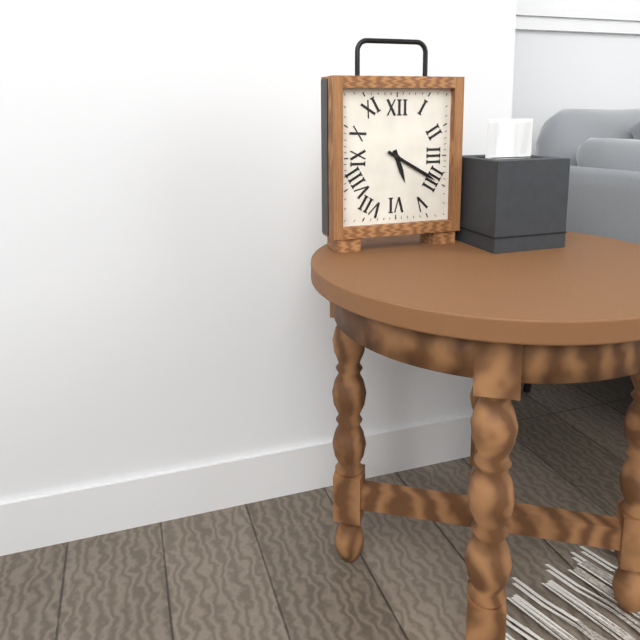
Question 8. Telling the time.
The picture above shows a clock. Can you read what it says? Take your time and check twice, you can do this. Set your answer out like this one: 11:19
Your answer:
5:20
